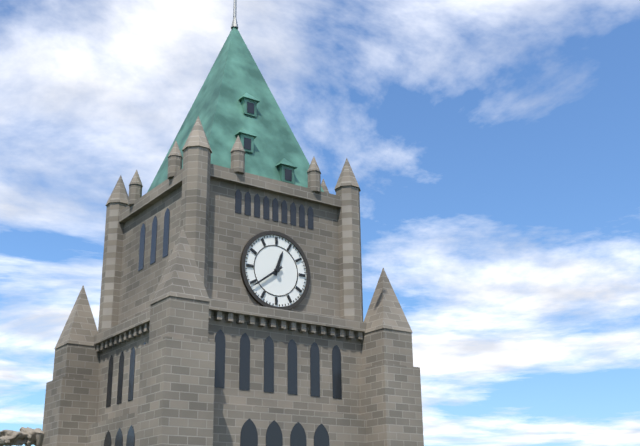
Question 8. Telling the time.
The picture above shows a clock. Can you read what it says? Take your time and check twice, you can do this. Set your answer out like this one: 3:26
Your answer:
12:39
